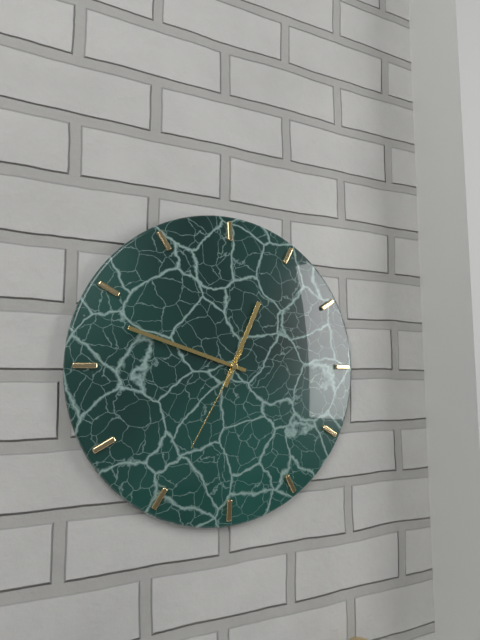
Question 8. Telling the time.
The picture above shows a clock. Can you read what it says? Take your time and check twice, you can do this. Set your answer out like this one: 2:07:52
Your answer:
12:48:35
